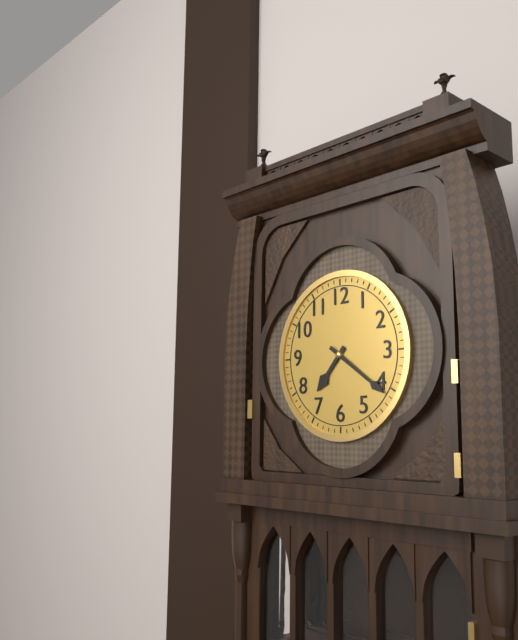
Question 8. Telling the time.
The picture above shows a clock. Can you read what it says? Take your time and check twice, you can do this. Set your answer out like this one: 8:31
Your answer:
7:21
